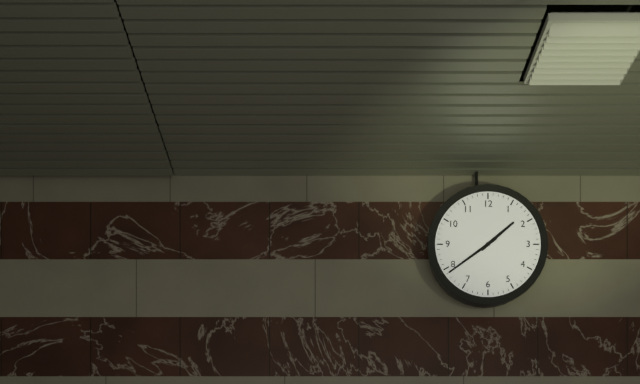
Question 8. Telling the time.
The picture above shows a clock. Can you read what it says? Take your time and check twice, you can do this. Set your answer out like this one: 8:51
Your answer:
1:39
